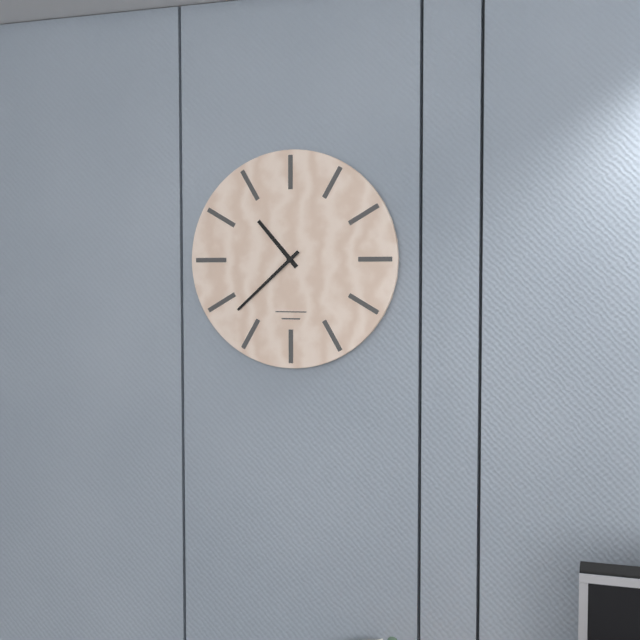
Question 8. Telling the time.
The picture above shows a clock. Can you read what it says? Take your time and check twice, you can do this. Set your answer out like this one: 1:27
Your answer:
10:38
